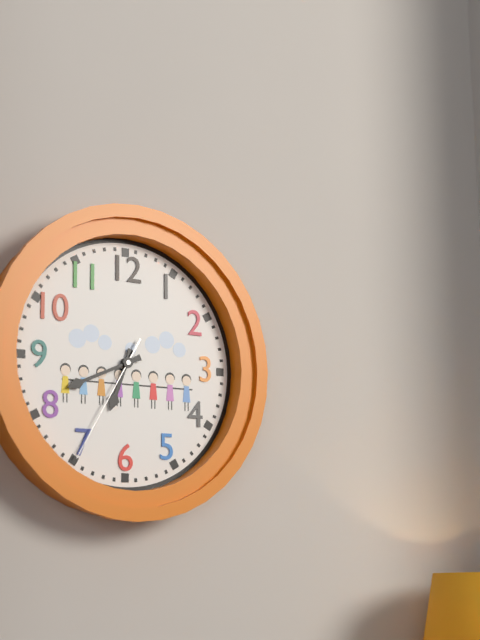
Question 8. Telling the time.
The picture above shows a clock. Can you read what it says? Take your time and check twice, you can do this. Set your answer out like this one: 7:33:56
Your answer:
6:41:35
